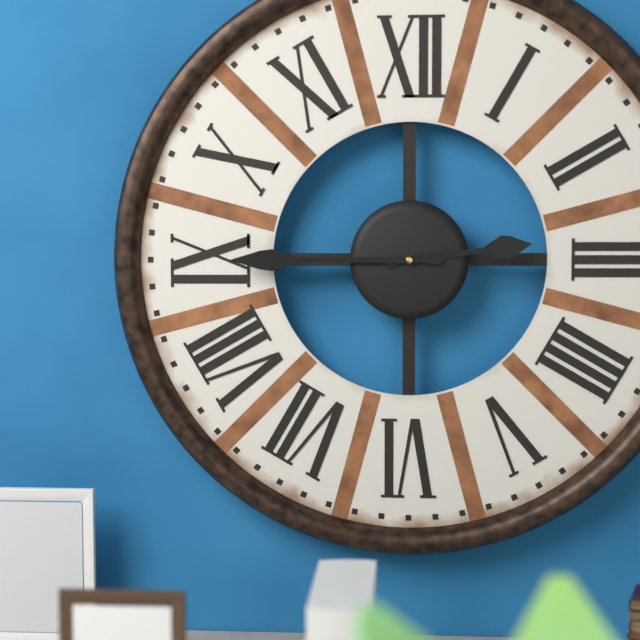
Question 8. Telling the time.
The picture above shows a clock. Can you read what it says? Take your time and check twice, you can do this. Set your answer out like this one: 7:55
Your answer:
2:45
